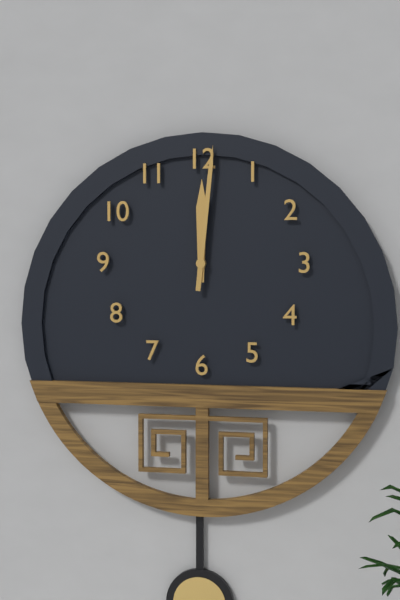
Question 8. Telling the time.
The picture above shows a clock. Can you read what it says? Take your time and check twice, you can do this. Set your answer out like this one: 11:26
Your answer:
12:01
